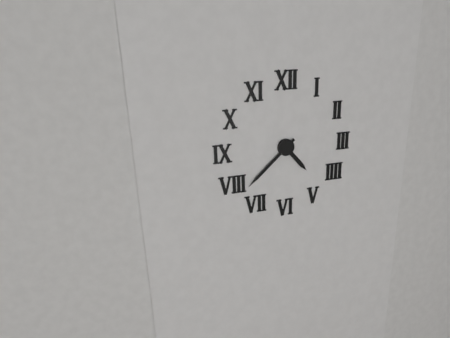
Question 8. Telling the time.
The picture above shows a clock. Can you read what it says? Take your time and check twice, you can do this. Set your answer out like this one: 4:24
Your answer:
4:38
